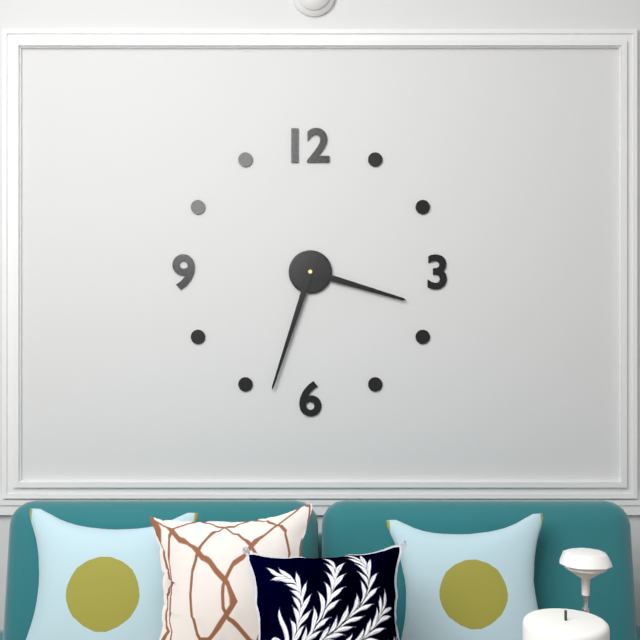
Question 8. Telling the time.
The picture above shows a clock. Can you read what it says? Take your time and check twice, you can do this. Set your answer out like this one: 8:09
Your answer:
3:33
